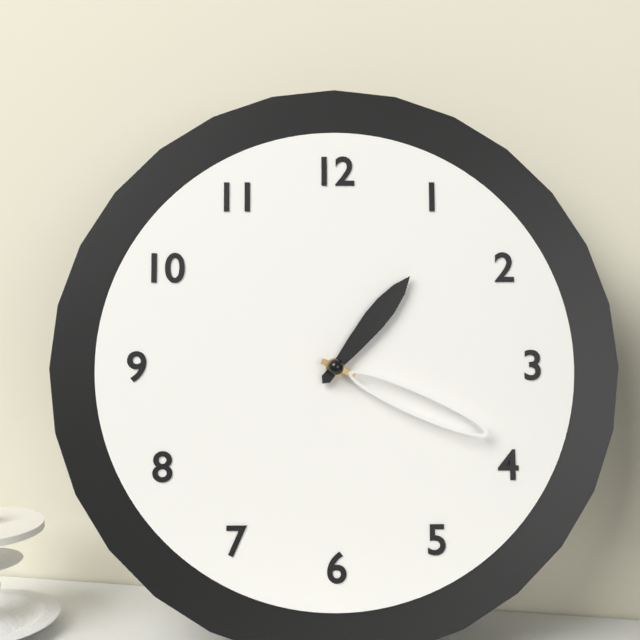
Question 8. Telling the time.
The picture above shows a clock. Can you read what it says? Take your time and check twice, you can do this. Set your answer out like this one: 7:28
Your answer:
1:19
